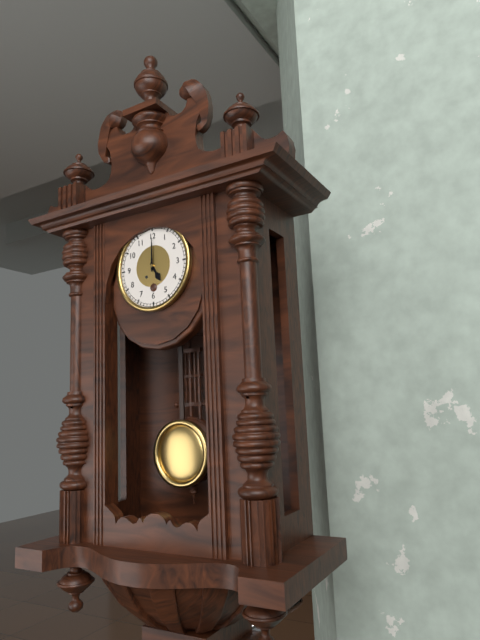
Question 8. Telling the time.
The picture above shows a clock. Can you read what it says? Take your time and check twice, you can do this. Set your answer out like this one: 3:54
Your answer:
5:00
